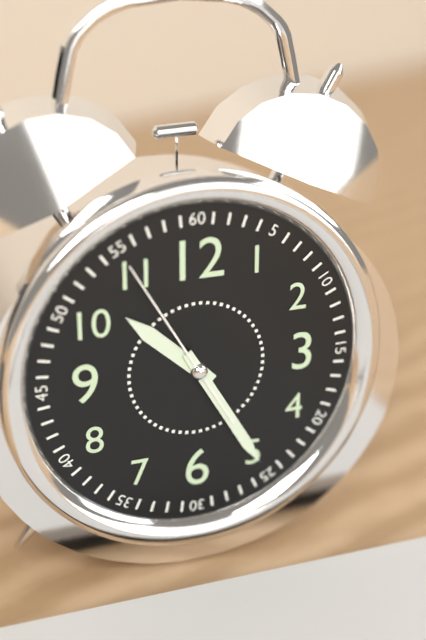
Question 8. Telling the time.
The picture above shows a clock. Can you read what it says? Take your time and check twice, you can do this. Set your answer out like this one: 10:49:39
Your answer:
10:25:55
